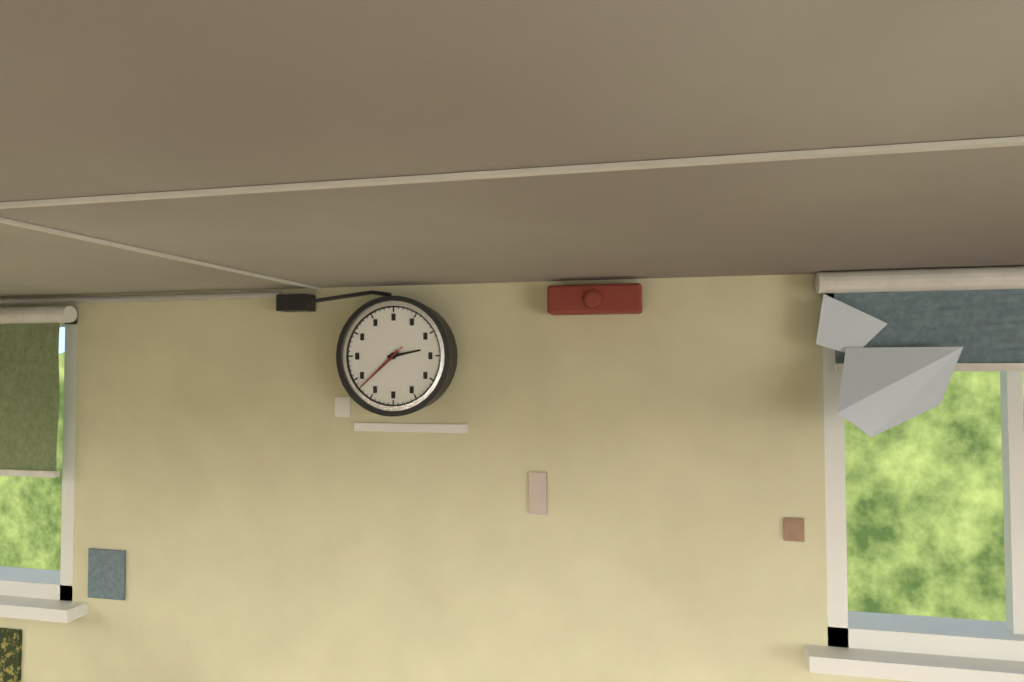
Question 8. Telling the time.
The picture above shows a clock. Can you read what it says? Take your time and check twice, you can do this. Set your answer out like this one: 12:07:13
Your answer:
2:38:38
